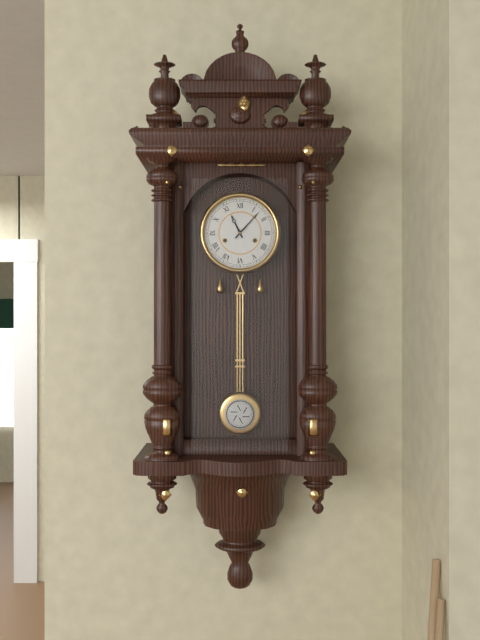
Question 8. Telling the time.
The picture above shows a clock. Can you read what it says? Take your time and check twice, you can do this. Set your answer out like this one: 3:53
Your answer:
11:07
